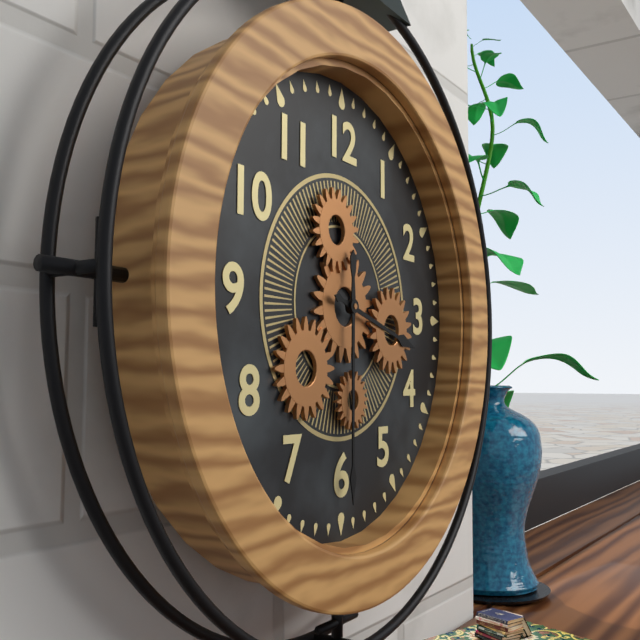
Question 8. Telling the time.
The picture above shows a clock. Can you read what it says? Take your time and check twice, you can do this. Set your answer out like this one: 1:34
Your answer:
3:30
